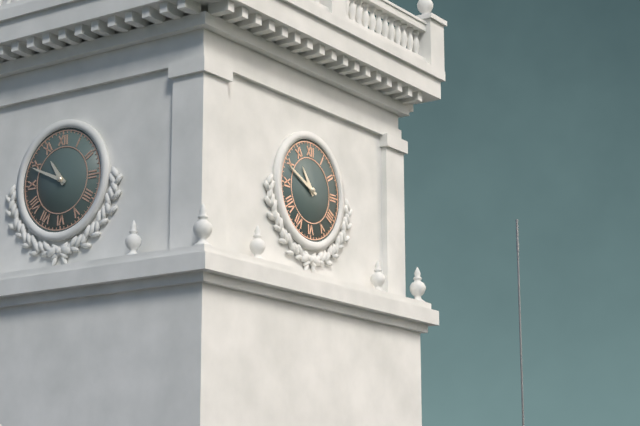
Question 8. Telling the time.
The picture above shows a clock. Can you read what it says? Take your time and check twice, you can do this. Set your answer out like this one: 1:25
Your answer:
10:49
